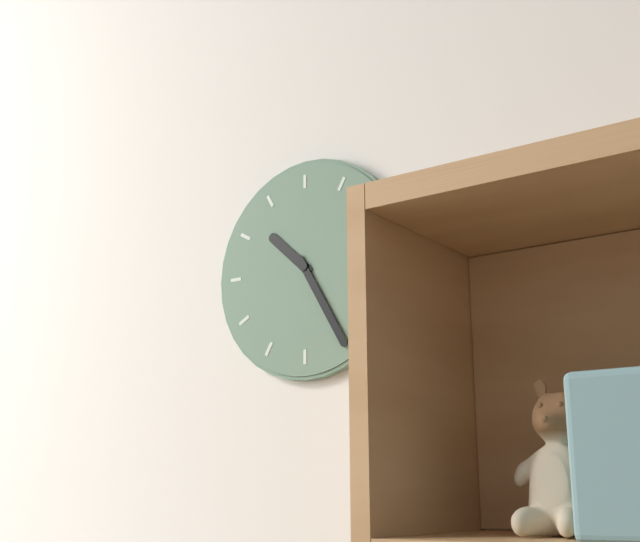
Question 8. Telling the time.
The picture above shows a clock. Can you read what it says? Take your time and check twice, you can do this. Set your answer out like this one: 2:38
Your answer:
10:25
